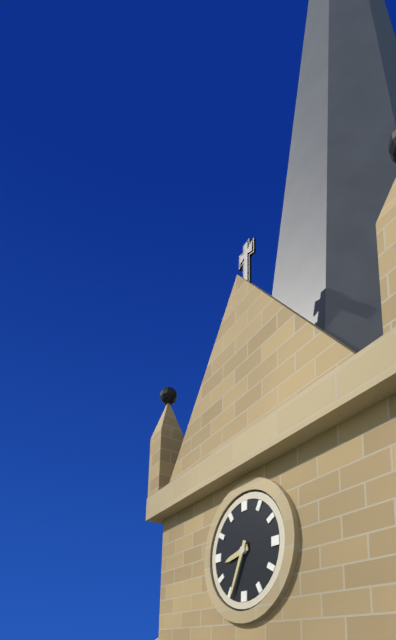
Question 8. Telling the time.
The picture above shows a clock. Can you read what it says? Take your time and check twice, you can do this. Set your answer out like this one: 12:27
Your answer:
8:34
